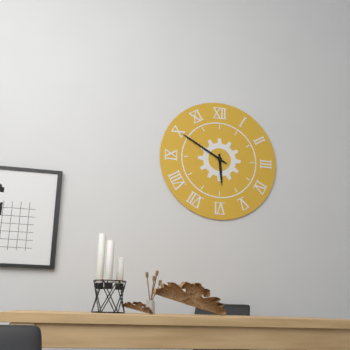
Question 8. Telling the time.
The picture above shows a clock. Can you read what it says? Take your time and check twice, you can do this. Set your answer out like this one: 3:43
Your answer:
5:50
